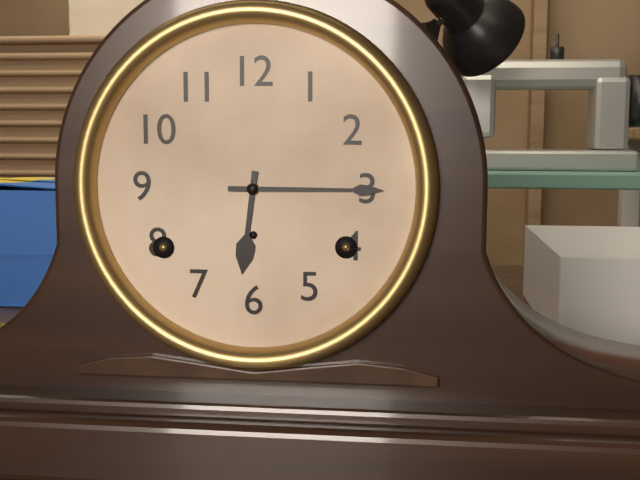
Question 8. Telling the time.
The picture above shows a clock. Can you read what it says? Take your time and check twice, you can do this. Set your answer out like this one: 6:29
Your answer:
6:15
